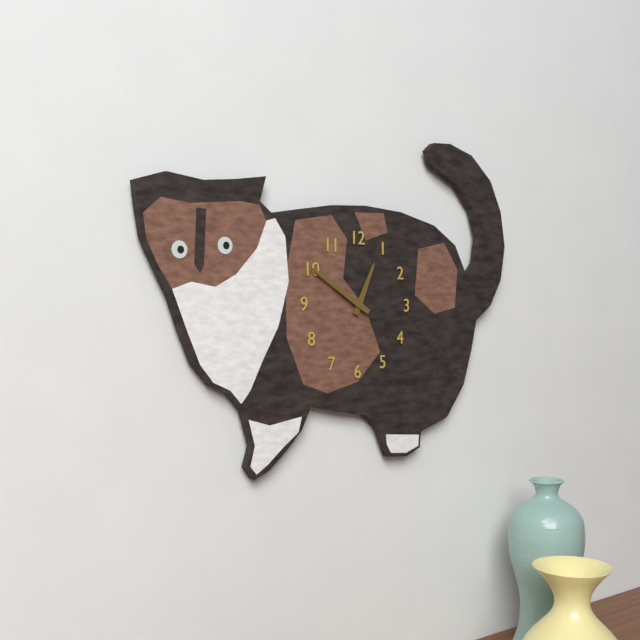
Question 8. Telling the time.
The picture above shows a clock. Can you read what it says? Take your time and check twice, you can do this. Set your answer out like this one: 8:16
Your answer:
12:50
